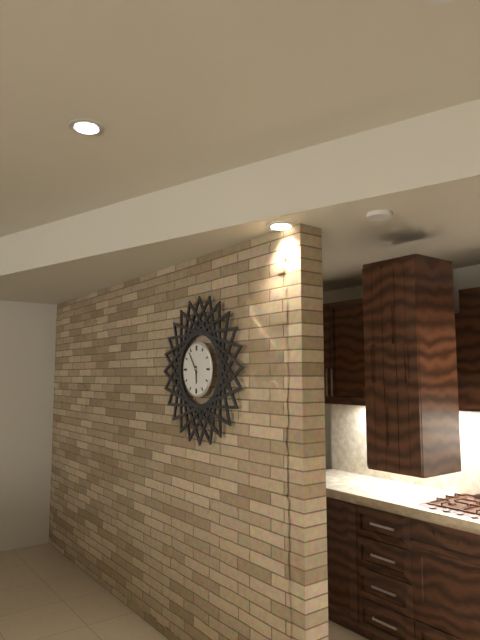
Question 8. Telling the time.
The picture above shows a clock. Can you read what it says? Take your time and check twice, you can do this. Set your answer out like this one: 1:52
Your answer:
5:54
